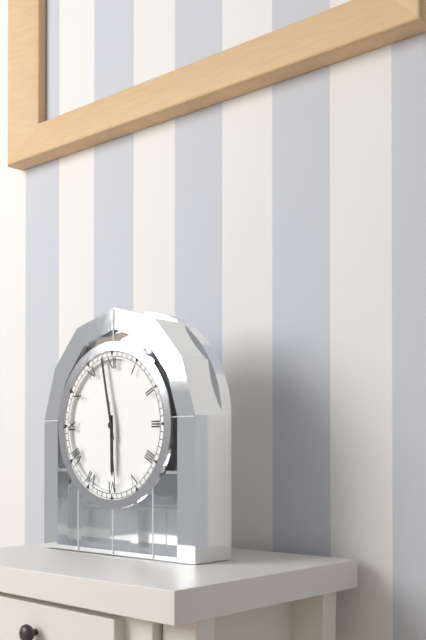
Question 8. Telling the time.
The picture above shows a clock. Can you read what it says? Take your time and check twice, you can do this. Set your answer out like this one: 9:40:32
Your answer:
5:58:29
